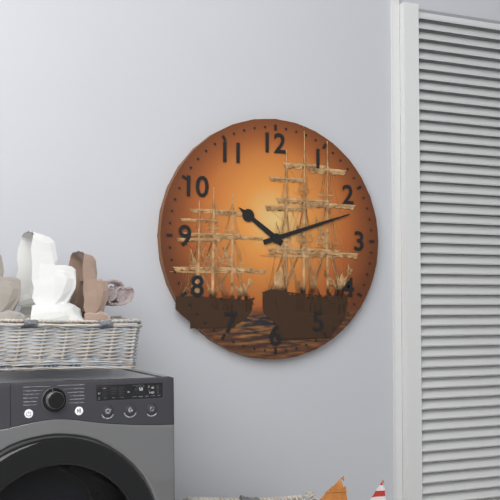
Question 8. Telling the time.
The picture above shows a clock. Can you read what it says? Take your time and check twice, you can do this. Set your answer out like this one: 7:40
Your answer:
10:12
